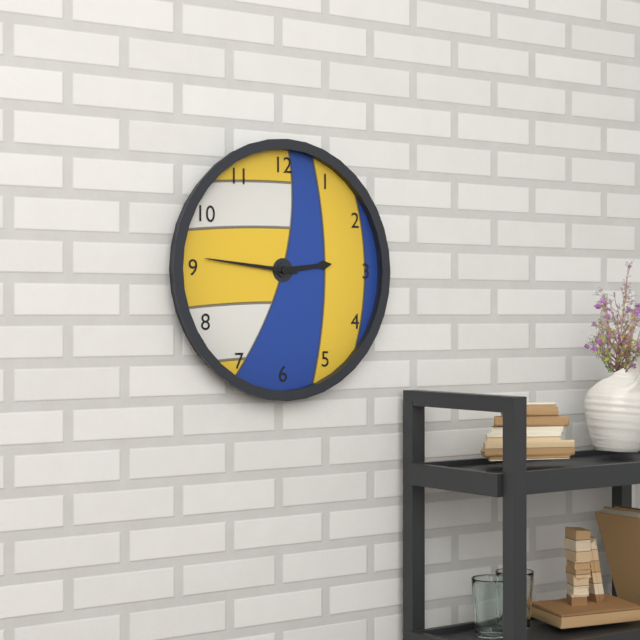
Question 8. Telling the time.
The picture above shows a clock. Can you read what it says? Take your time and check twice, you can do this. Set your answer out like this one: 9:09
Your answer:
2:46
